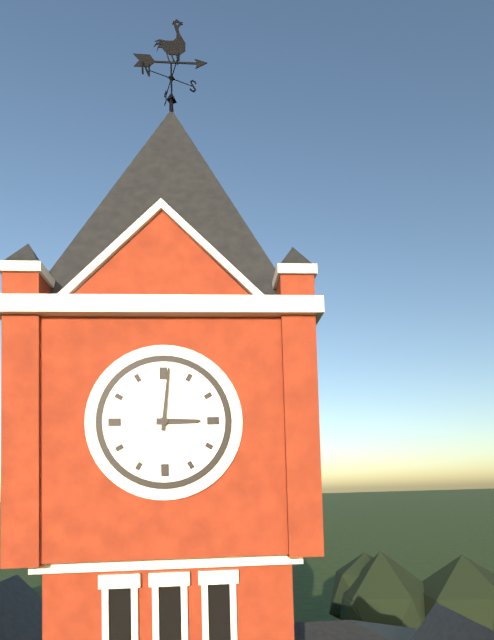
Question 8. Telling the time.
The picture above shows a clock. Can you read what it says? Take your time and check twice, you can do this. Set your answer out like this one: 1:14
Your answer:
3:01
